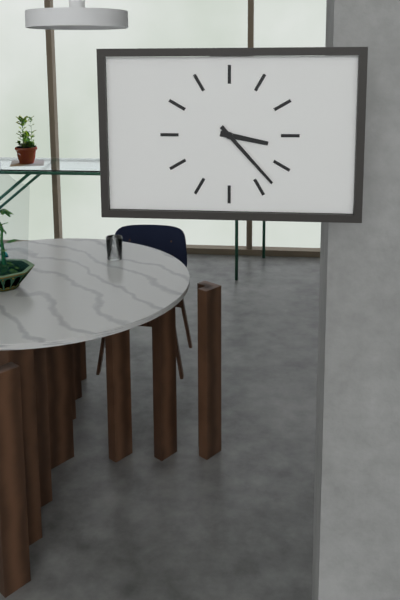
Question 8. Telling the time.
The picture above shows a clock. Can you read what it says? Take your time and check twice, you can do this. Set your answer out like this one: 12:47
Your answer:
3:23
